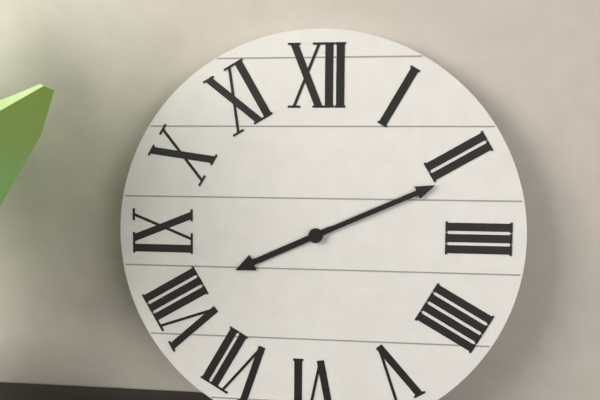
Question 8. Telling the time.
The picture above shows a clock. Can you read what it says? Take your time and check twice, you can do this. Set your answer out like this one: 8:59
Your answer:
8:11
